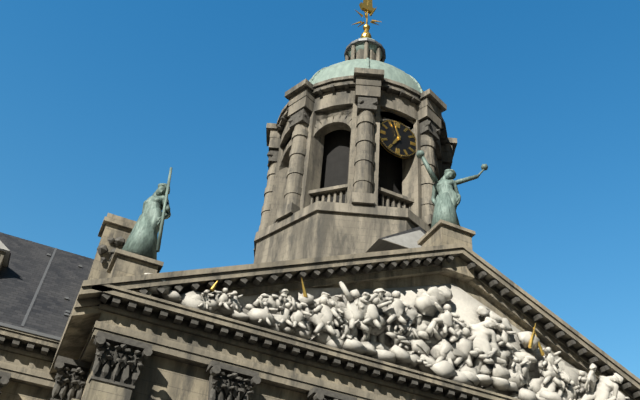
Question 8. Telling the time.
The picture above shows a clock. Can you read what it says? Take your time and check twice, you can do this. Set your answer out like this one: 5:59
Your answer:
6:57
